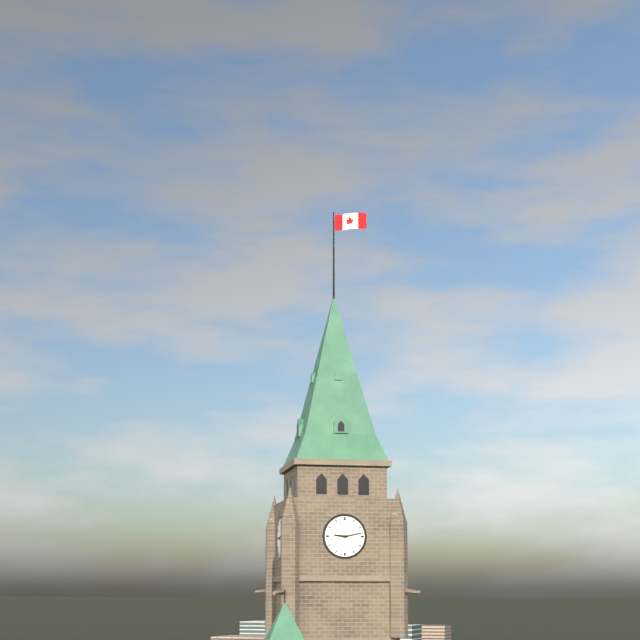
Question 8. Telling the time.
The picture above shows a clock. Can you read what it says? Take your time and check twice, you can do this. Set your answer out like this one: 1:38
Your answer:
9:13
